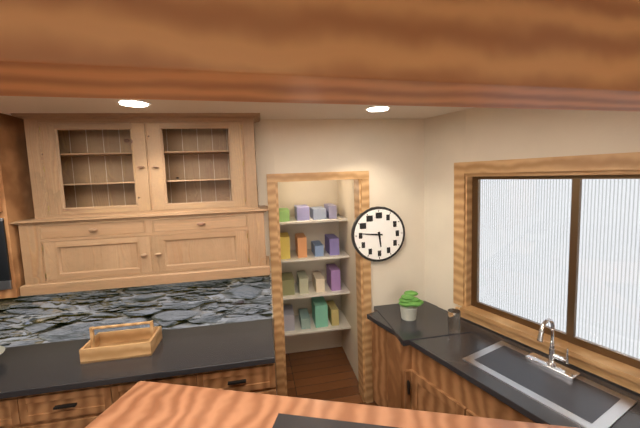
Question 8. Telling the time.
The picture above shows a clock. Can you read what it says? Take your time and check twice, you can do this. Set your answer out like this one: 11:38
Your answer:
5:46
